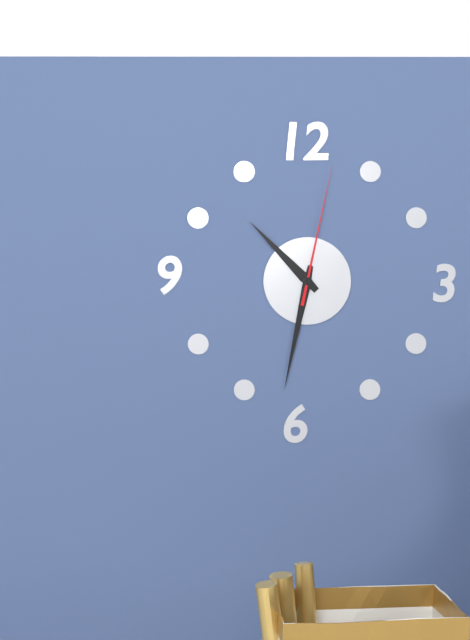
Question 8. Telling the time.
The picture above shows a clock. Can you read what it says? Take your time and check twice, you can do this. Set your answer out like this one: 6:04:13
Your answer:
10:32:02
